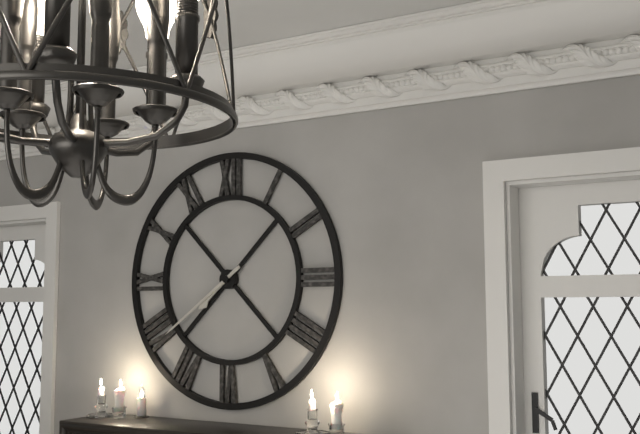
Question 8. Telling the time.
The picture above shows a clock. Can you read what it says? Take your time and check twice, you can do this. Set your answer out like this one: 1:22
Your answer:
7:39
